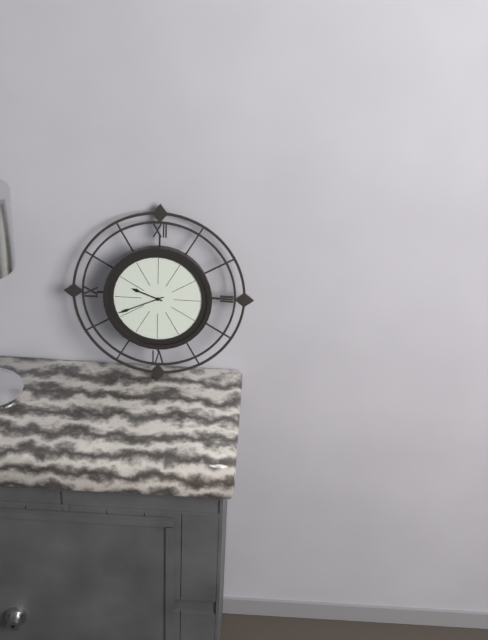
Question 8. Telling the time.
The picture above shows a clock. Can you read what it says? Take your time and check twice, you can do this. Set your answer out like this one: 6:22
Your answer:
9:41
